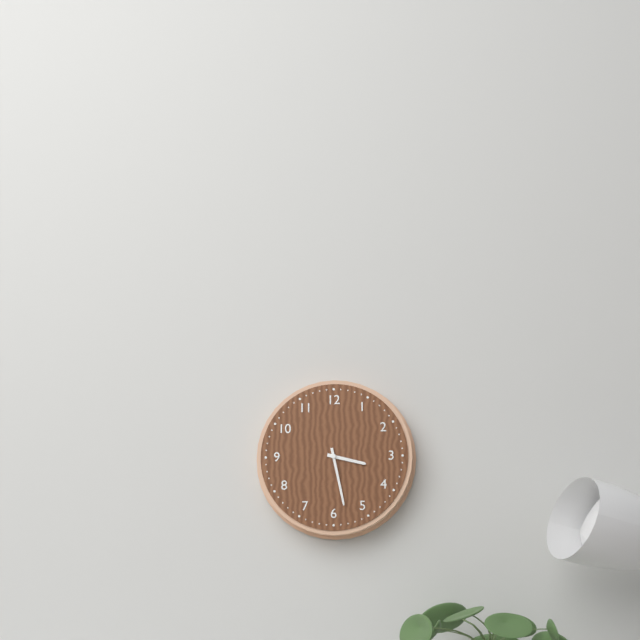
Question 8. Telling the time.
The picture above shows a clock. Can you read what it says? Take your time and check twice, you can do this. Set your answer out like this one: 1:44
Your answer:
3:28
